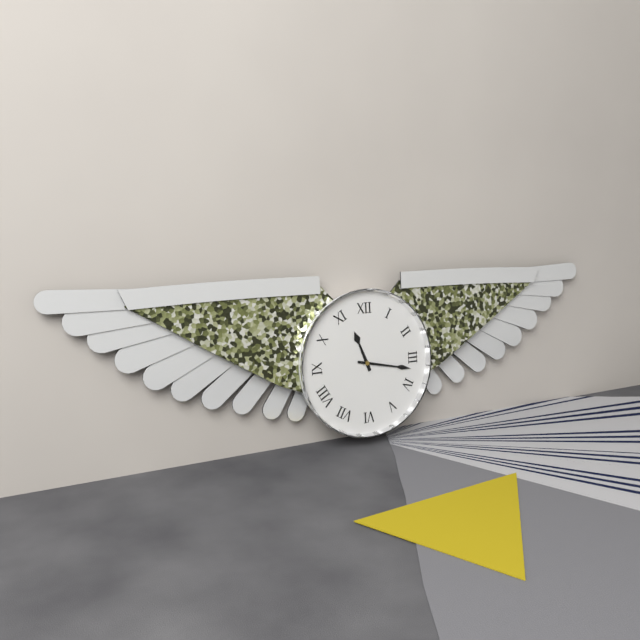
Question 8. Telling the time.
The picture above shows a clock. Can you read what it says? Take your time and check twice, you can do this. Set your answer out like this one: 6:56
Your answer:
11:17
